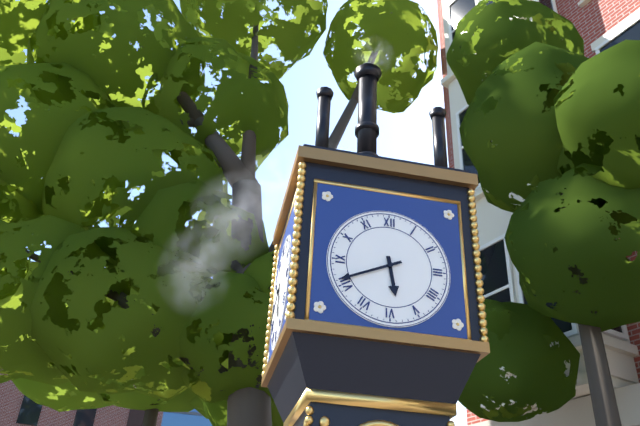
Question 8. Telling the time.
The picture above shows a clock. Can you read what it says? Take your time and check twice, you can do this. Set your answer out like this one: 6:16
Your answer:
5:41
